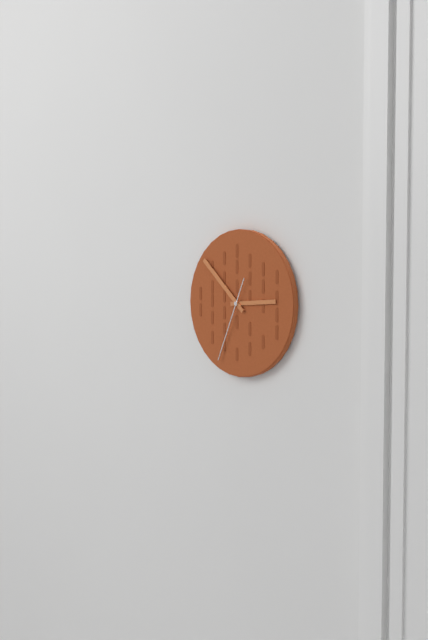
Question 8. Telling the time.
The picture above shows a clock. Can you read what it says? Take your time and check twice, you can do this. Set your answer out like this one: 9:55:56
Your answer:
2:52:34
